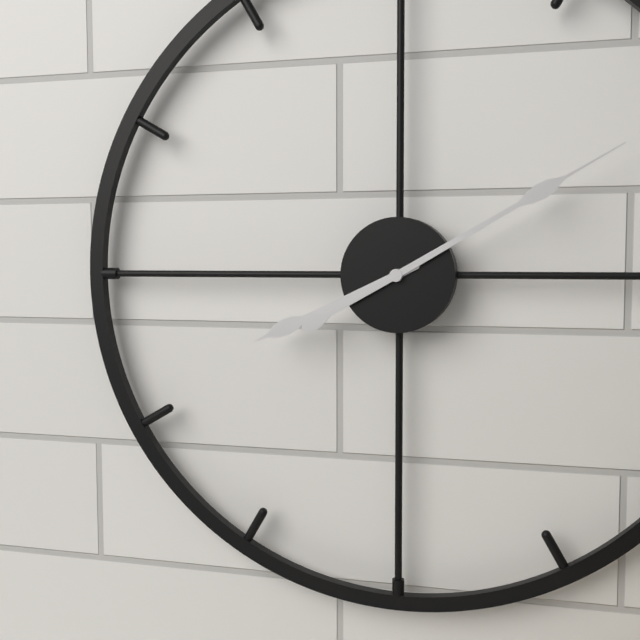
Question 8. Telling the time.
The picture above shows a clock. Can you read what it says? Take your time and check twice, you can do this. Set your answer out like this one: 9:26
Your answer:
8:10
